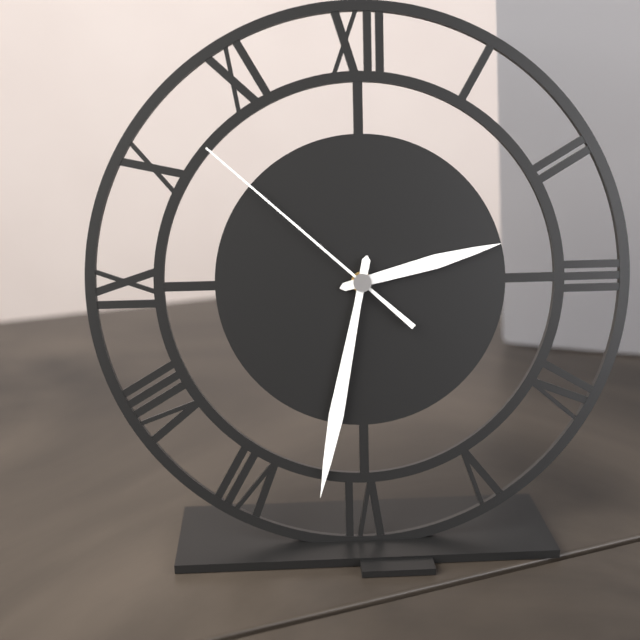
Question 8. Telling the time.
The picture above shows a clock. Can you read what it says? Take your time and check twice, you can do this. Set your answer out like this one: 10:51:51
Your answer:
2:32:52
